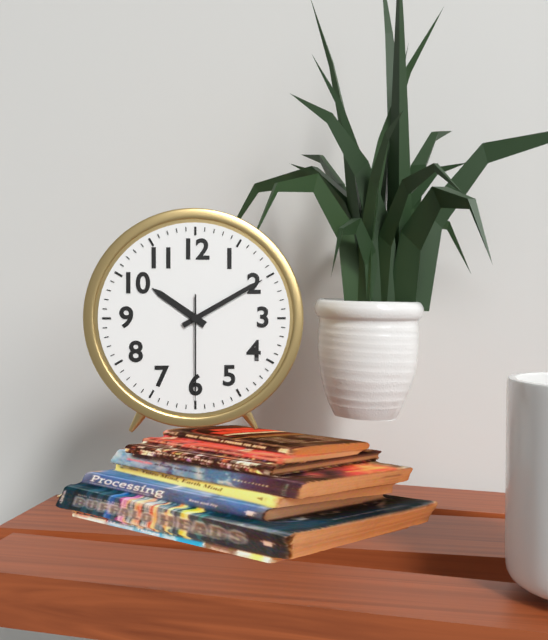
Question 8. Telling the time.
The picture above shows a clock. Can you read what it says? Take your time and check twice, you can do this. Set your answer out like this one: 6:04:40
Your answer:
10:10:30
